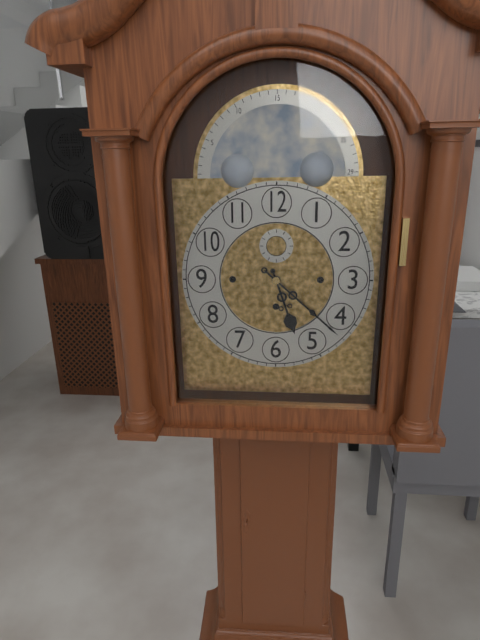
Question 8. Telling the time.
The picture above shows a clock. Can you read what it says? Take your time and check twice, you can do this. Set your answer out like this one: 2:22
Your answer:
5:22
